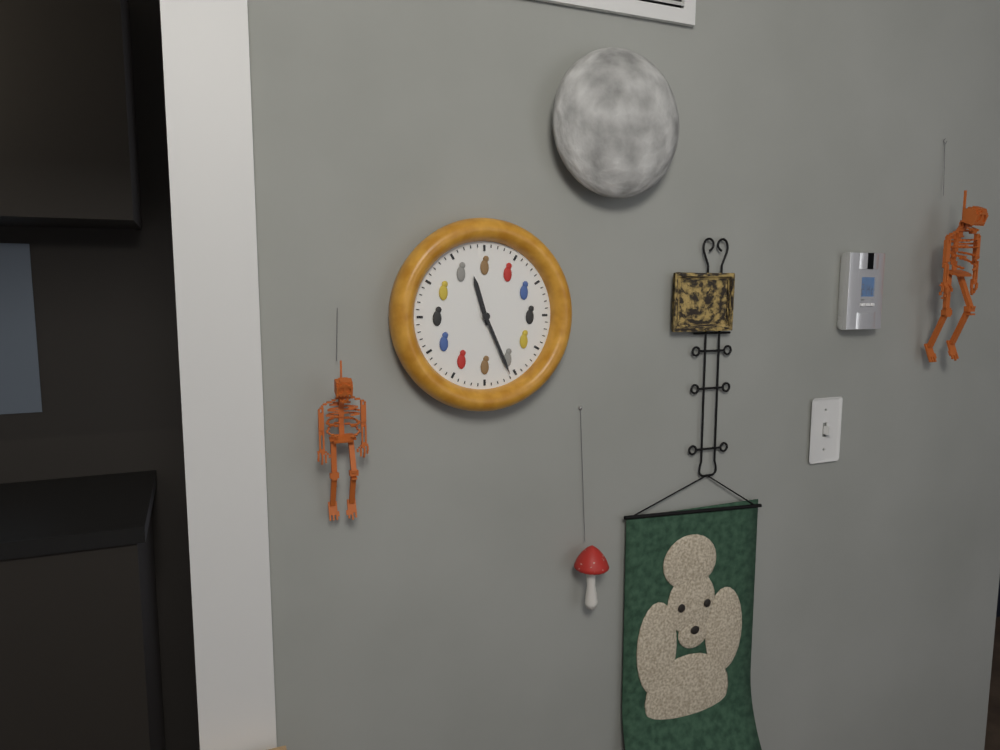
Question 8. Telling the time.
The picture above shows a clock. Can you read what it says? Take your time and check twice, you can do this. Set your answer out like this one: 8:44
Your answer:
11:26
